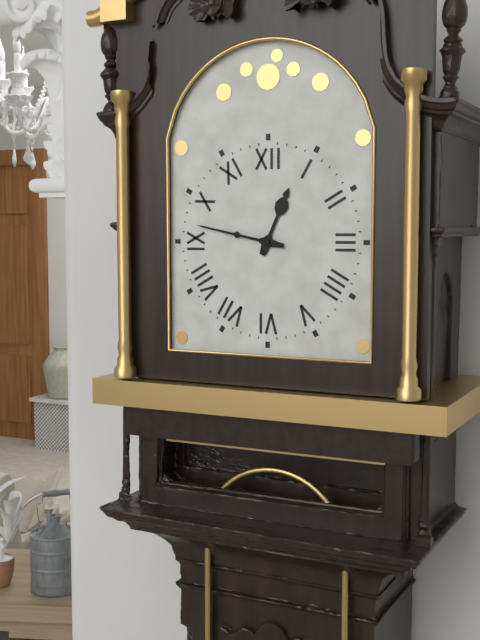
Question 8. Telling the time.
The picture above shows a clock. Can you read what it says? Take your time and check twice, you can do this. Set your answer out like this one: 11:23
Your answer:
12:47
